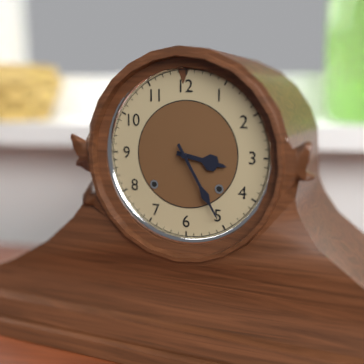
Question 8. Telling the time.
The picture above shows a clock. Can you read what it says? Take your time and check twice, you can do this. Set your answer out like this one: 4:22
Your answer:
3:25
